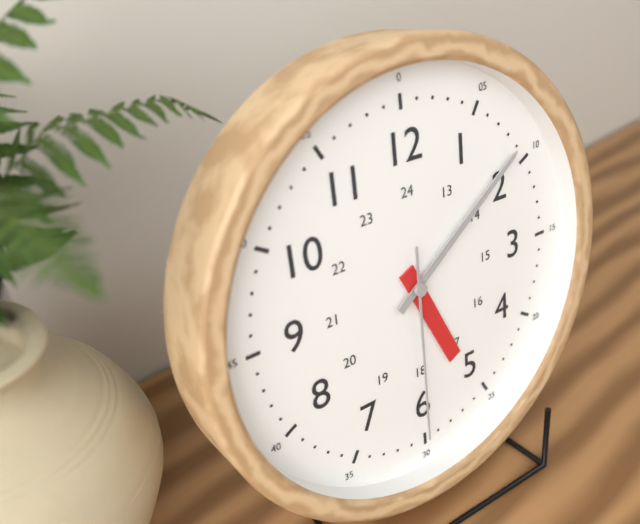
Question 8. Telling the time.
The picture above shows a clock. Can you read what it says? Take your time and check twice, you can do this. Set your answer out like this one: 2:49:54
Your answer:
5:09:30
